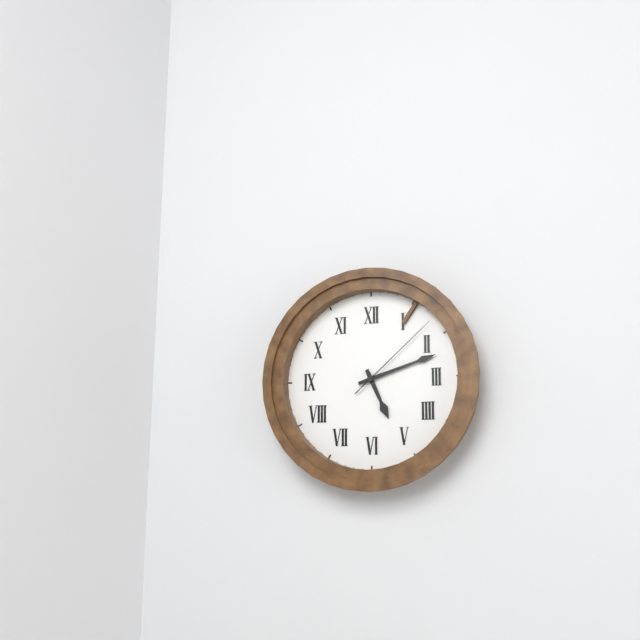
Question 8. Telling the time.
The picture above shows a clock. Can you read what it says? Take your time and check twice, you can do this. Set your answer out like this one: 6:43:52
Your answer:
5:12:08
